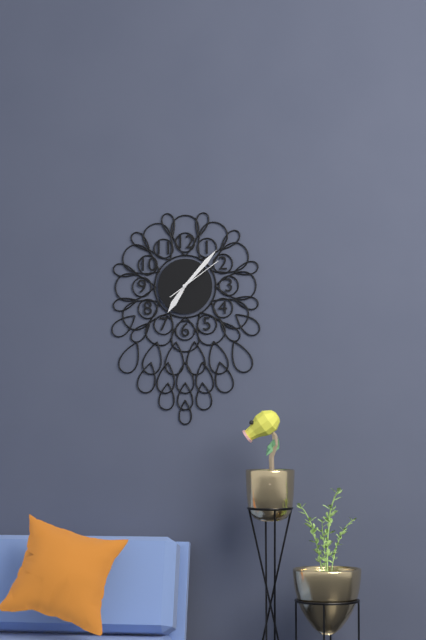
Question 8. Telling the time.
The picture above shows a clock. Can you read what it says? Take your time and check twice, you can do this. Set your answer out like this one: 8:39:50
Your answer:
7:07:09
